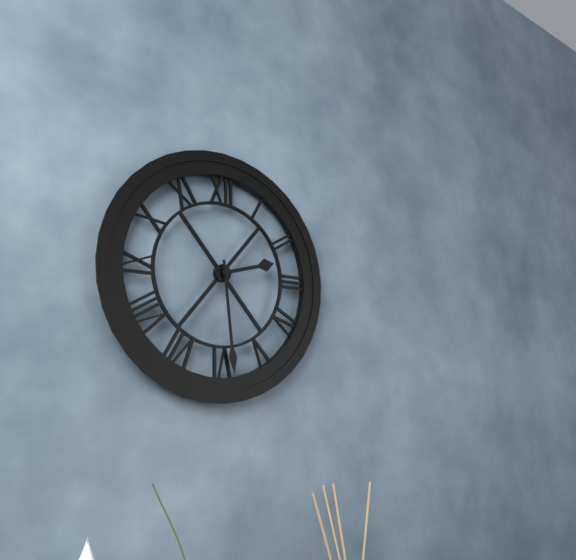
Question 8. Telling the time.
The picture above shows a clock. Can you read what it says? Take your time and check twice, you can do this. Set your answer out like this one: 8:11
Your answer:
2:29
